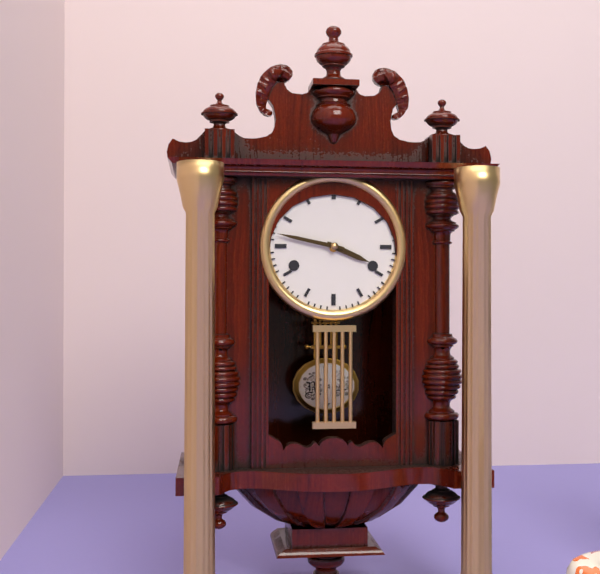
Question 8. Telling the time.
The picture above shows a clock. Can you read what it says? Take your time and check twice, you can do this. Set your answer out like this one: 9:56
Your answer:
3:47
